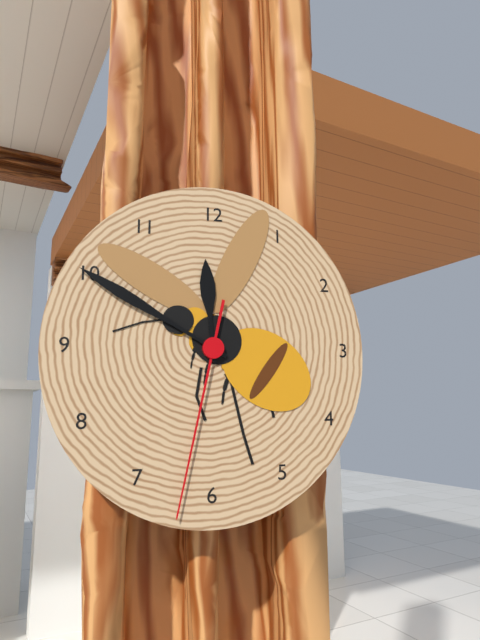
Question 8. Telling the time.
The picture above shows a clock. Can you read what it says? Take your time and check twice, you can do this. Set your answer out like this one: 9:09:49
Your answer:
11:50:32
